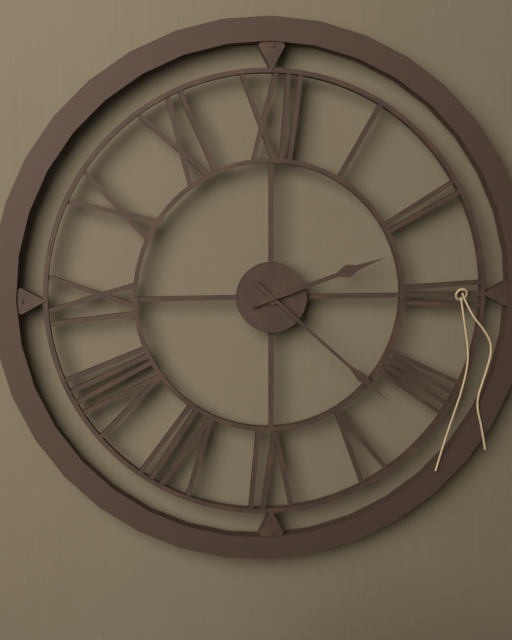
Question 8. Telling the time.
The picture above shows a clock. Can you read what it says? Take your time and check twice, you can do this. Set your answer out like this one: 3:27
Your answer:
2:22
